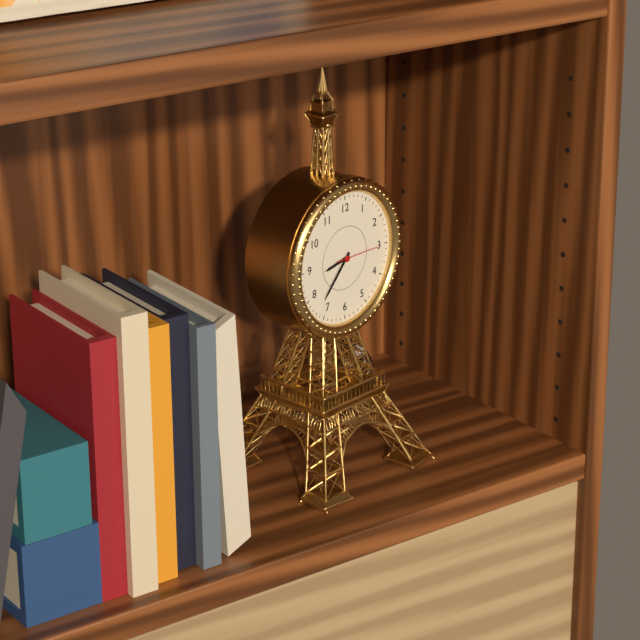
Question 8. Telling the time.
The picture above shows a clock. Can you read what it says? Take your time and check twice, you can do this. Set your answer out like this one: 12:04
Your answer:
8:37
